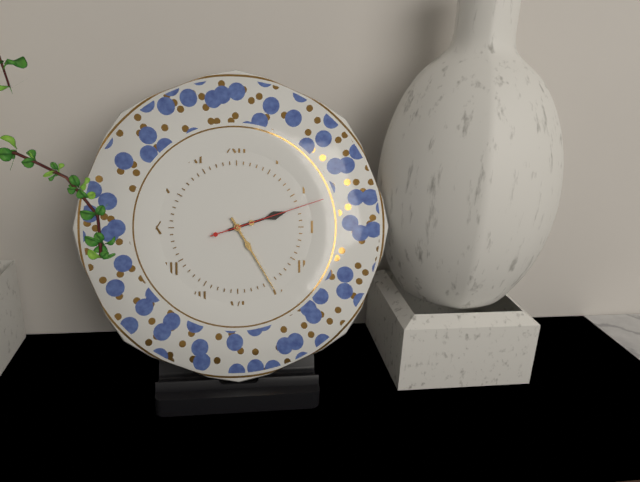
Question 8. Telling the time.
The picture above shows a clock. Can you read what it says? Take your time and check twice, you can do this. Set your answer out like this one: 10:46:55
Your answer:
2:25:12
